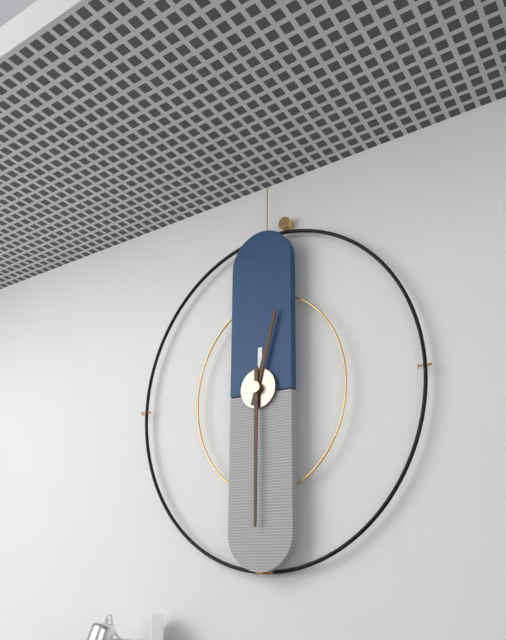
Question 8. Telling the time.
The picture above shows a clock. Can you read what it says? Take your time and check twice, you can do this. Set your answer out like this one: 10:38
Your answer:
12:30
